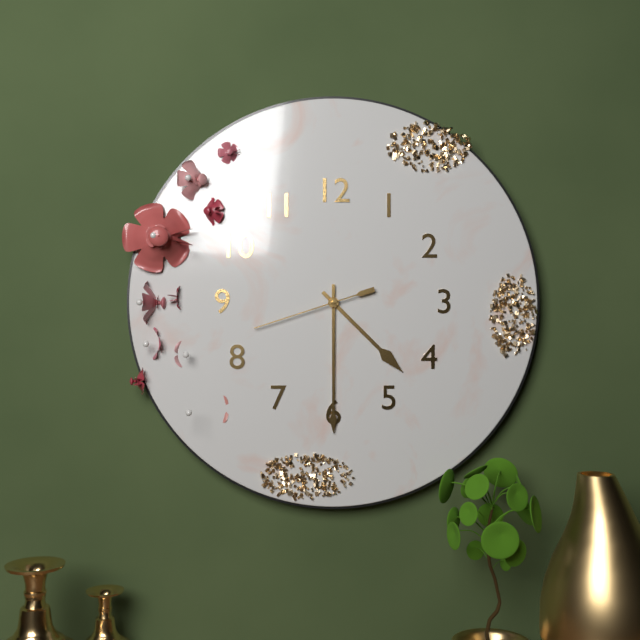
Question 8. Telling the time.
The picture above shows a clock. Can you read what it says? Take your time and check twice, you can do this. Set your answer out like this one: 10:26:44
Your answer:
4:30:42
